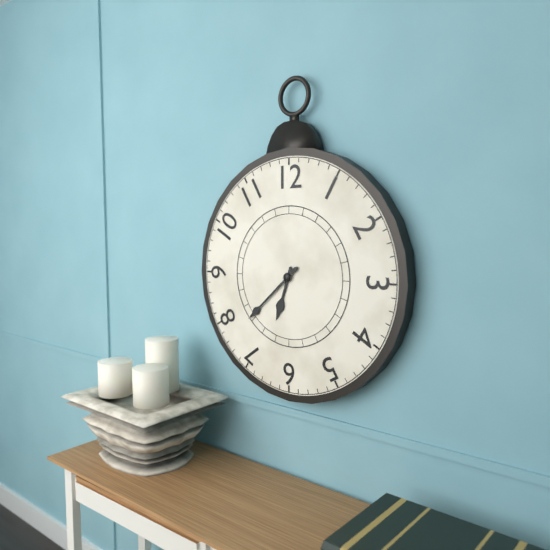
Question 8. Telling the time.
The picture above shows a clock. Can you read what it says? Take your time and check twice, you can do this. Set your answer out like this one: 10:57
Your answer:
6:38
